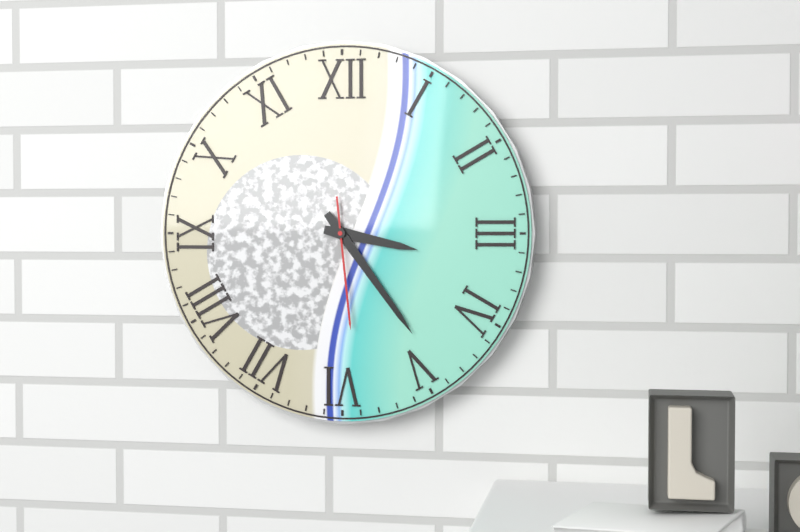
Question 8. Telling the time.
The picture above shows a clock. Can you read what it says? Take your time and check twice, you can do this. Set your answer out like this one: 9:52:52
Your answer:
3:24:29
